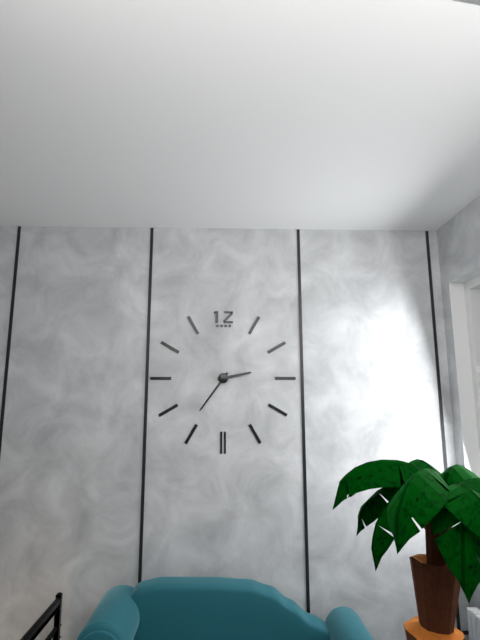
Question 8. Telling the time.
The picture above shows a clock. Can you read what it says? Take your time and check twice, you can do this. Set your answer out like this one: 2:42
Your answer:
2:36
